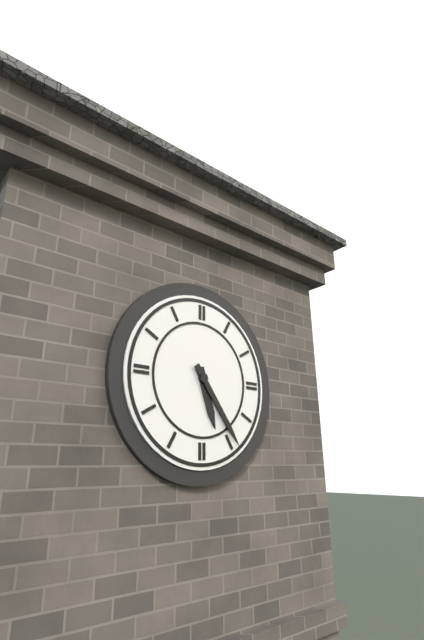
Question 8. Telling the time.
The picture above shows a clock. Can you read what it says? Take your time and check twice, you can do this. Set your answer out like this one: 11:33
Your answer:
5:24
